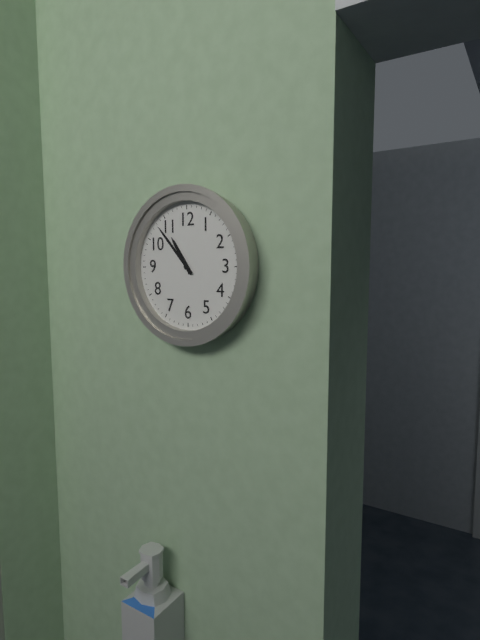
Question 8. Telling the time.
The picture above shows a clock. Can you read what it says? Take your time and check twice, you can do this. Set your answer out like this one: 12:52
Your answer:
10:53
